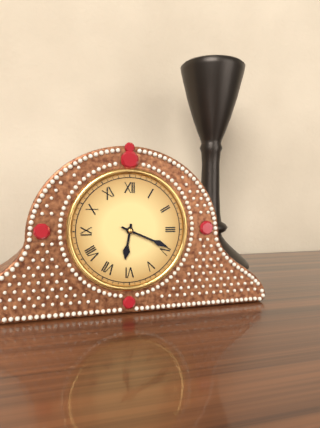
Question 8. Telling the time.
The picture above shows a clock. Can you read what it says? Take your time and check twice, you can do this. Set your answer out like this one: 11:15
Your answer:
6:19
